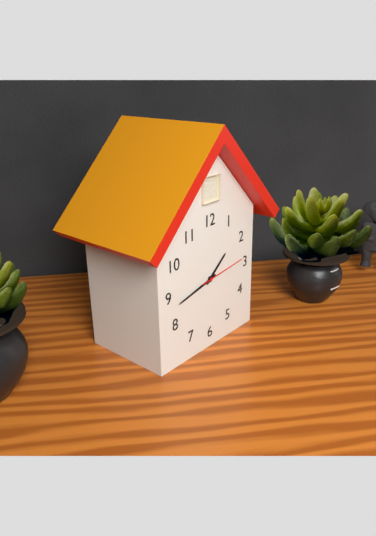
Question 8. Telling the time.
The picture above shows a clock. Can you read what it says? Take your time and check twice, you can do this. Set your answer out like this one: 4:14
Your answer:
1:43
